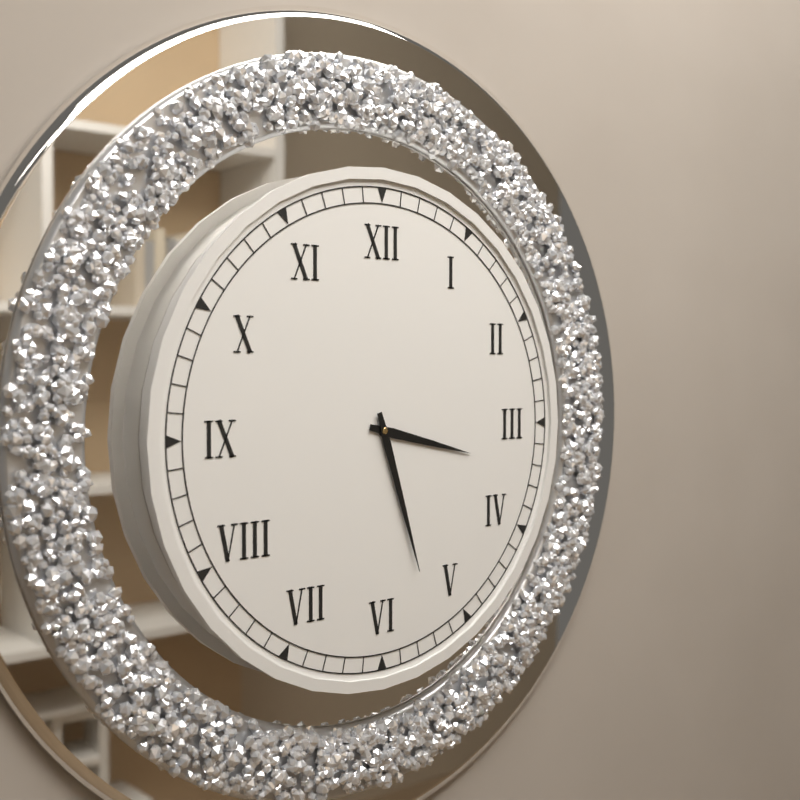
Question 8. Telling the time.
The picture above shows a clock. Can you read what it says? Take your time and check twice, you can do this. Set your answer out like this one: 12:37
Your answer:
3:27
